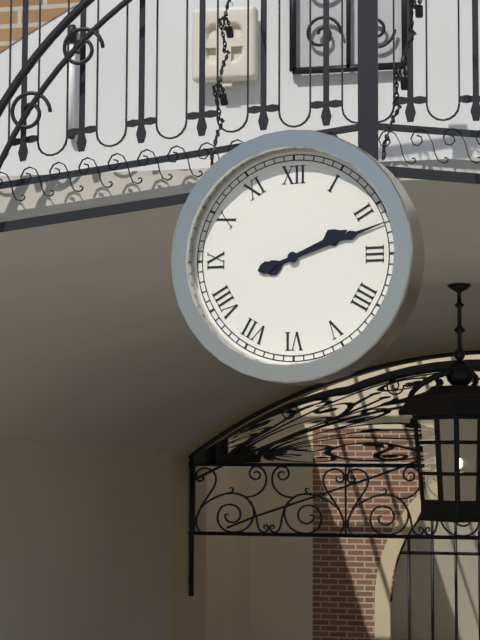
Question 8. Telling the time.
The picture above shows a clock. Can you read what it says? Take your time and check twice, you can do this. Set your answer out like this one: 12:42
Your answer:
2:12
